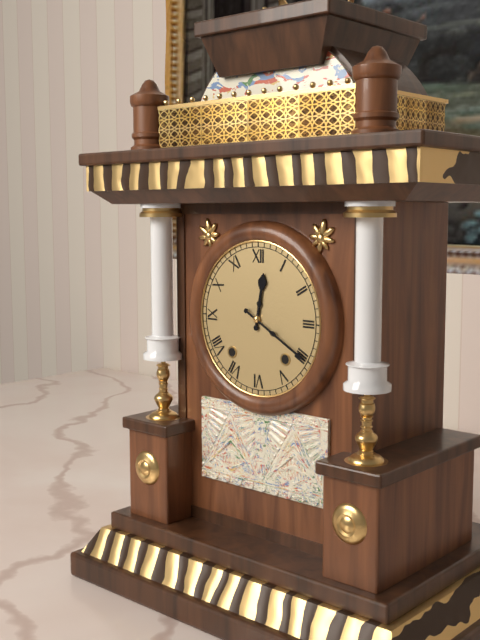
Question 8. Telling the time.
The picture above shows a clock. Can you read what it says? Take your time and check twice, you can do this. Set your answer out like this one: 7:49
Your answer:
12:20
